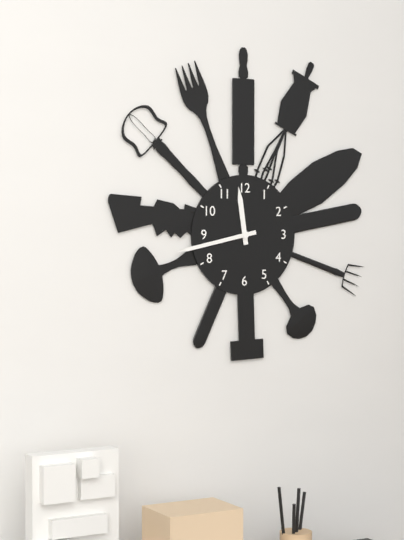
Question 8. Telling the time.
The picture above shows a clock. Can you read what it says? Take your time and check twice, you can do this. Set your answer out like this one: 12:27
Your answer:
11:43
